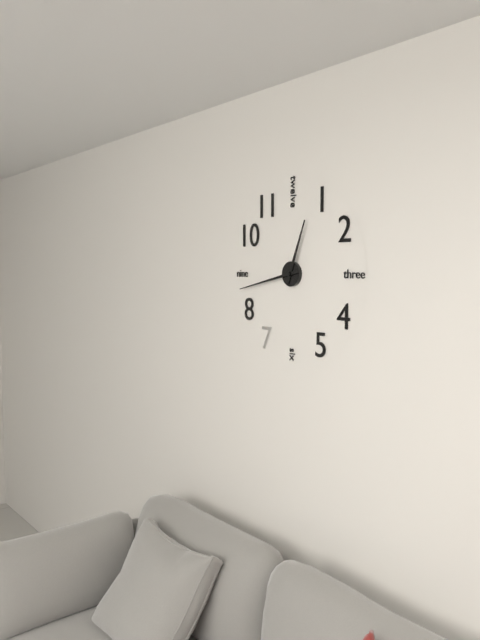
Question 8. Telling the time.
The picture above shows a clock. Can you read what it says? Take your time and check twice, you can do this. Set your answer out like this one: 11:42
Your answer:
12:43
